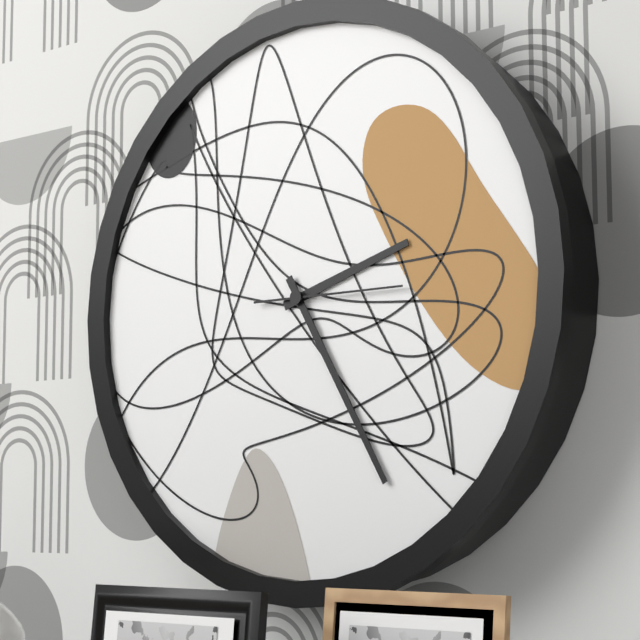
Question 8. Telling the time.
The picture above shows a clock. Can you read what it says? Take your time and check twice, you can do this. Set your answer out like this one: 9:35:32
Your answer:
2:25:15
